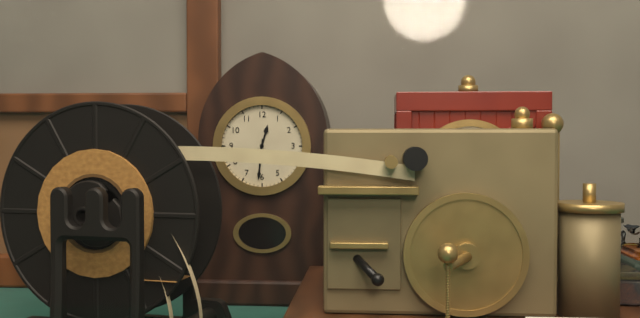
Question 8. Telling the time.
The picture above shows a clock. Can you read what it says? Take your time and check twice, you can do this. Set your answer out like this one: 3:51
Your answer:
12:31
